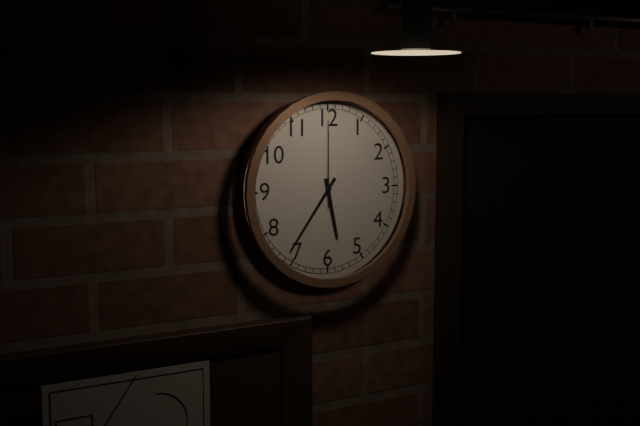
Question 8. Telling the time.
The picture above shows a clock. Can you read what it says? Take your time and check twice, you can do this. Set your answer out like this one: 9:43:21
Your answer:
5:36:00
